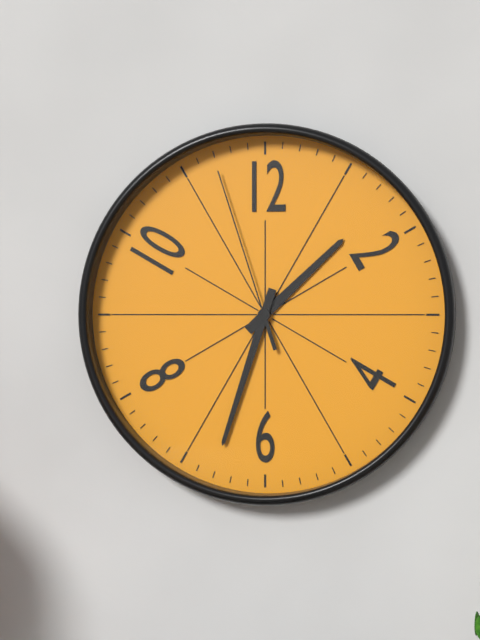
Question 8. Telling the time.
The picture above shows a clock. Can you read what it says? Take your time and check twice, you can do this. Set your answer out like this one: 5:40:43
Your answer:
1:33:57
